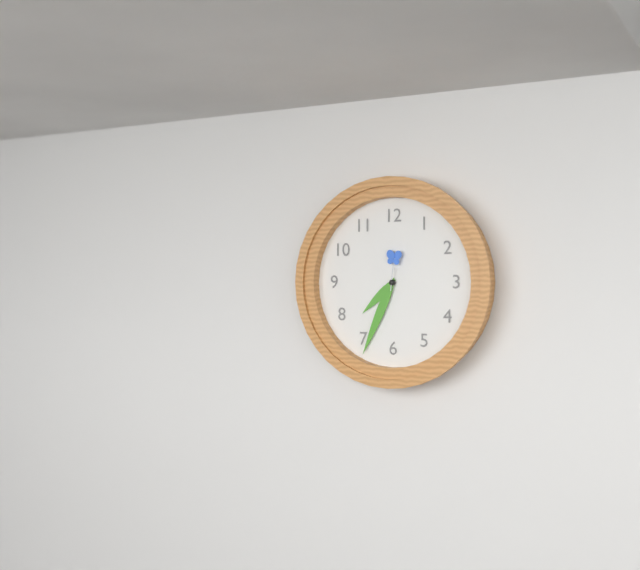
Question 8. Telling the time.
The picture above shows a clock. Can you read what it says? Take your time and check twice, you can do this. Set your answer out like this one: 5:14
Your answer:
7:34
